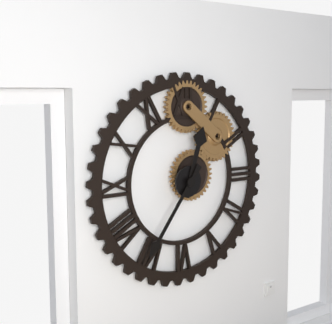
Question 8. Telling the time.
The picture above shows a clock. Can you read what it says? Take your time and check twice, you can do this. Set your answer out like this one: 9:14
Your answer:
12:36
